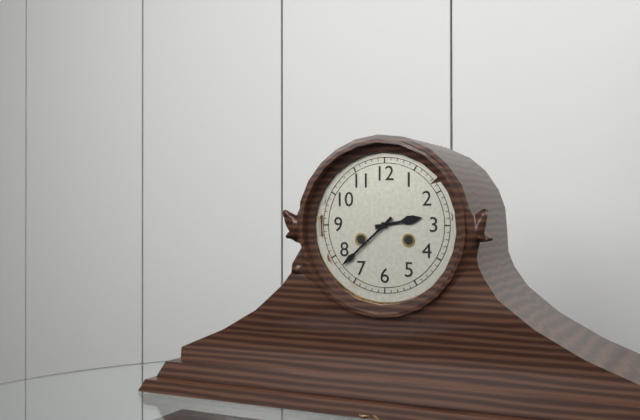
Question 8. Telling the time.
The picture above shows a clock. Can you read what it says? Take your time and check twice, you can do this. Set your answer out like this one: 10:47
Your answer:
2:38
